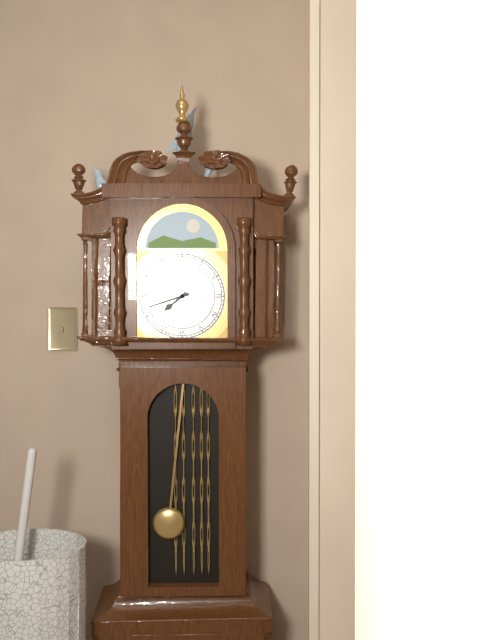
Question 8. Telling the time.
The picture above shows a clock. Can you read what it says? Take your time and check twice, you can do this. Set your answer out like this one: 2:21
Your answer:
7:42
